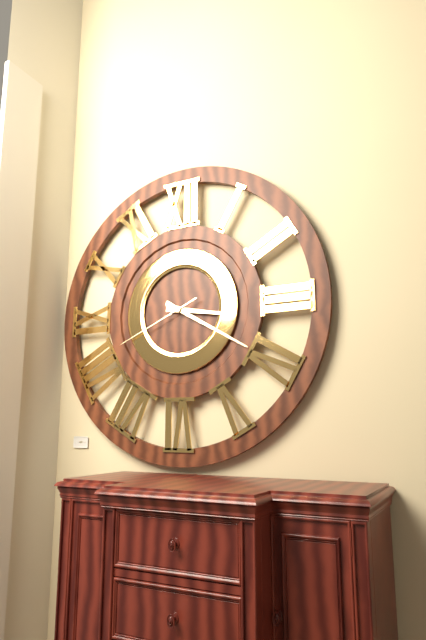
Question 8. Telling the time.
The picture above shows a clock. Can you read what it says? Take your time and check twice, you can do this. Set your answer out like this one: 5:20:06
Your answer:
3:20:41
